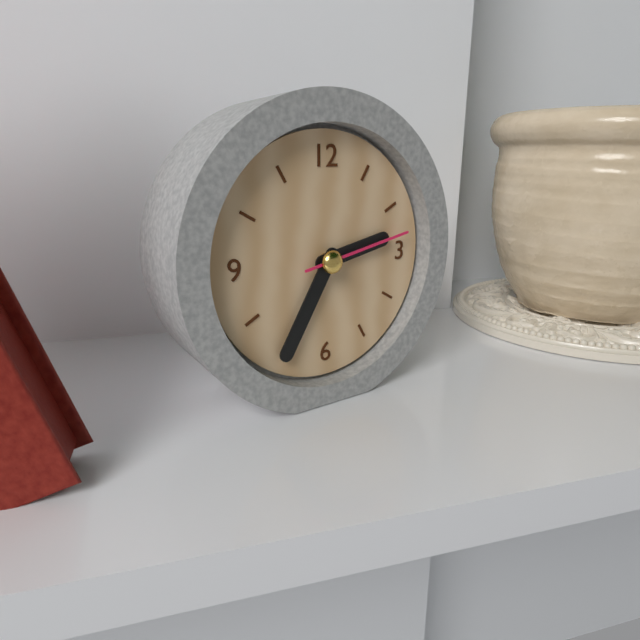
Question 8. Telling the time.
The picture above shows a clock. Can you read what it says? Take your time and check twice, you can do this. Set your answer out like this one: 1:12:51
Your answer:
2:35:13
